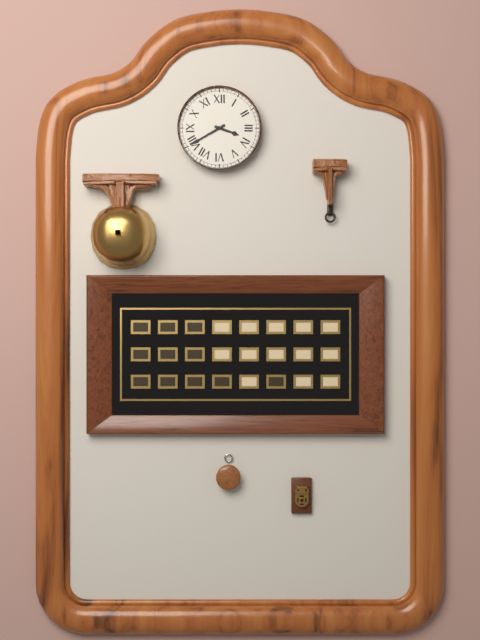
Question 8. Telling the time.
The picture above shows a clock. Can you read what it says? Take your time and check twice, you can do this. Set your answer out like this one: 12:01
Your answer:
3:40
